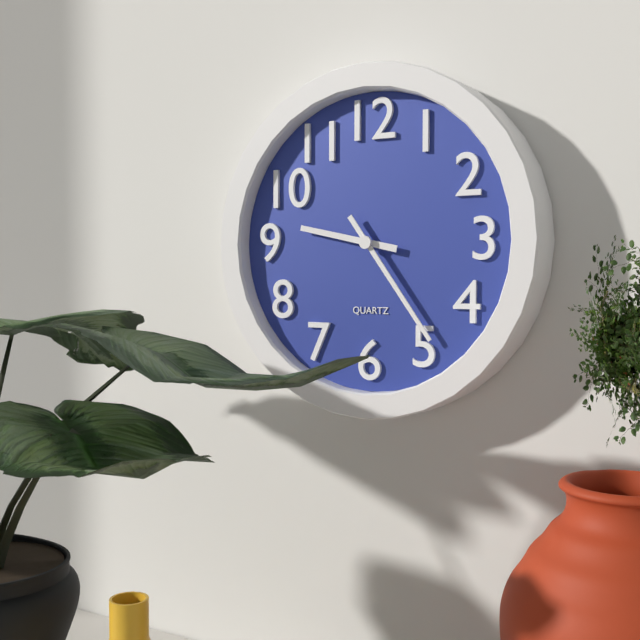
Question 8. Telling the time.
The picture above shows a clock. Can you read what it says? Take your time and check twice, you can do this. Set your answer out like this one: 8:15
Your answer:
9:24
